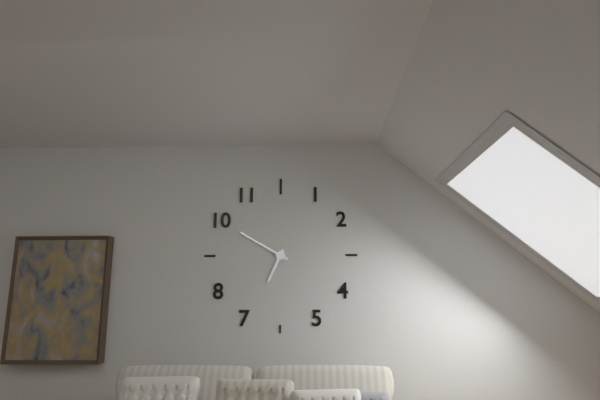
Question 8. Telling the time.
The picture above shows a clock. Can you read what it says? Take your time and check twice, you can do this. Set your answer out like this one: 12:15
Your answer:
6:50
